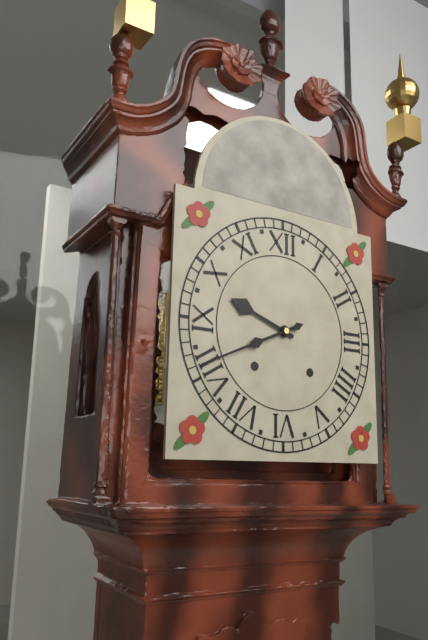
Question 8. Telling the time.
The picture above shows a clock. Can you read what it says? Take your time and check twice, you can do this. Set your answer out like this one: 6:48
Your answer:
9:41
